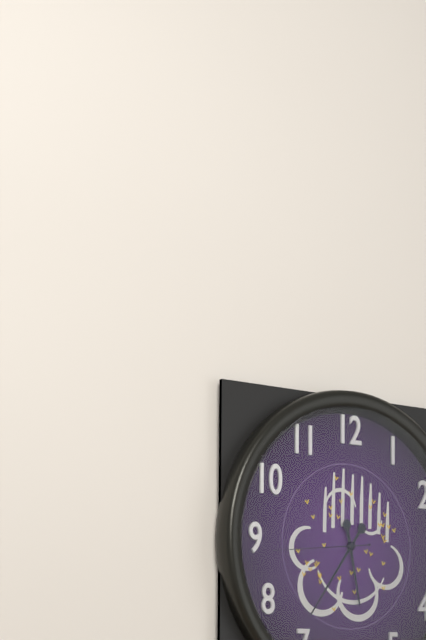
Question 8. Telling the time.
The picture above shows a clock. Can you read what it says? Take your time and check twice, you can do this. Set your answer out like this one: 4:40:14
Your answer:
5:36:44
